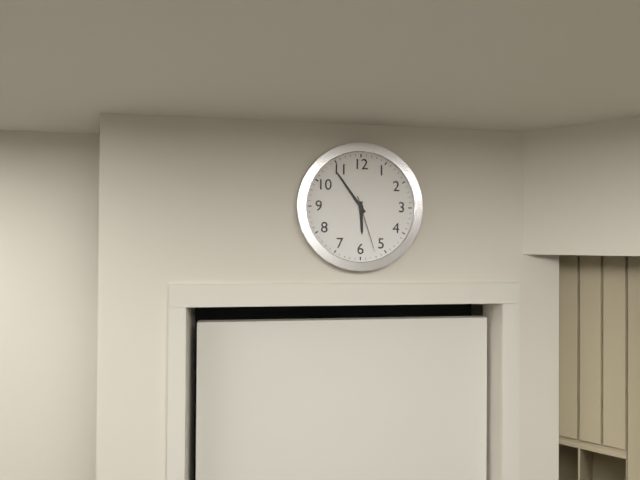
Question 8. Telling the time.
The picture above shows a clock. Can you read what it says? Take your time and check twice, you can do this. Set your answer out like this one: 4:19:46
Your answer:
5:54:27
